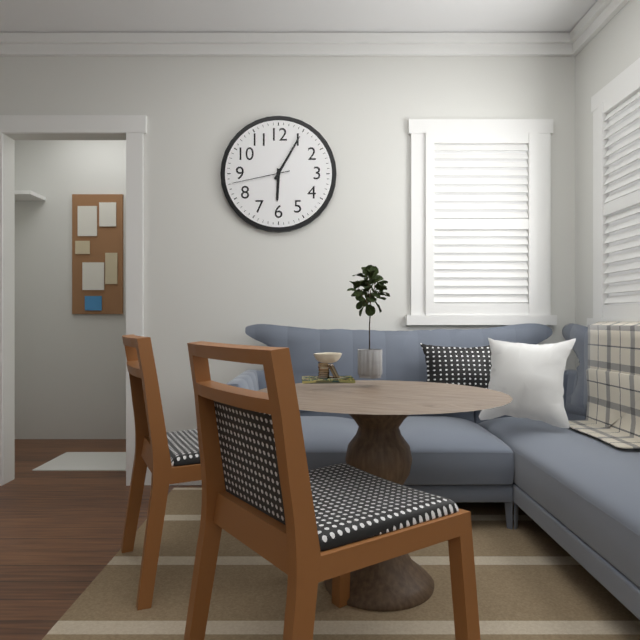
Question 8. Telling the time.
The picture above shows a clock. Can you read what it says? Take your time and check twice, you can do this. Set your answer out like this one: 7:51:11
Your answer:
6:05:43
